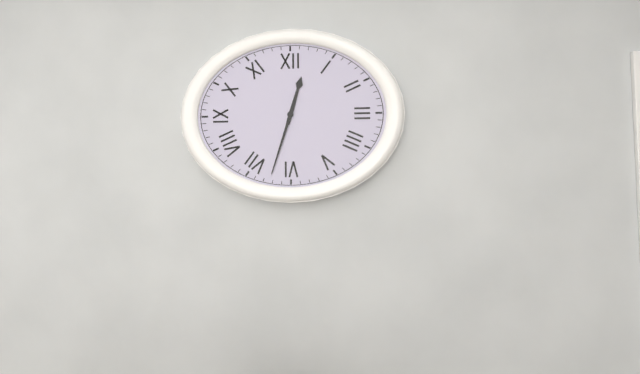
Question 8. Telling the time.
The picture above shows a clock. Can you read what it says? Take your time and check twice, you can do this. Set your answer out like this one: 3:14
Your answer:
12:33
